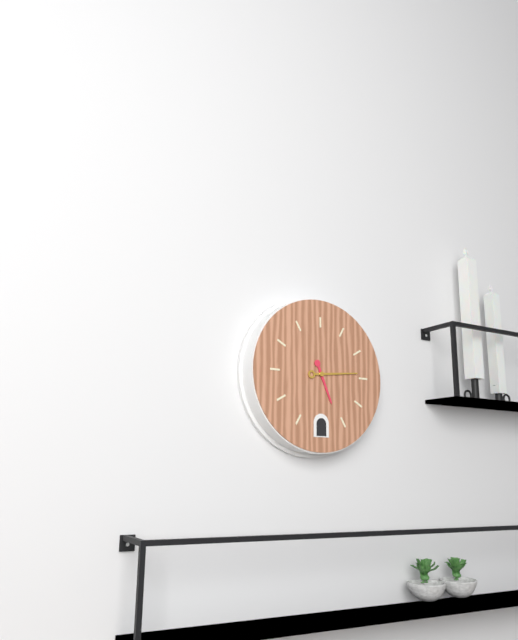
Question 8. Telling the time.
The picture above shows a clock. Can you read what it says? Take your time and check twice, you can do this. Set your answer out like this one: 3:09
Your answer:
5:14
